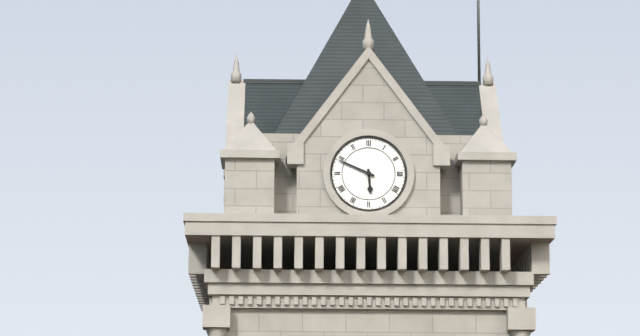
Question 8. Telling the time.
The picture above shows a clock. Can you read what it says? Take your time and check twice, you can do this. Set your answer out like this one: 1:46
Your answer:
5:49
